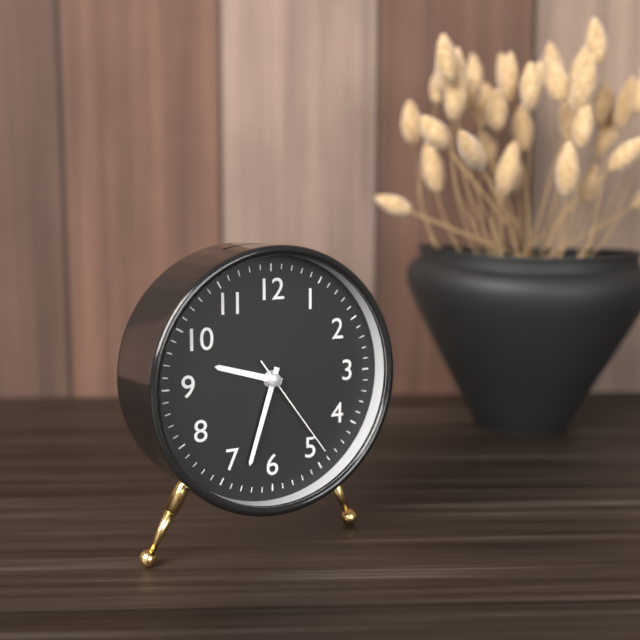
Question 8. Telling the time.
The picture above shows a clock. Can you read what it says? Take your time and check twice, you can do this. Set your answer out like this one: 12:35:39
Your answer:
9:33:24
